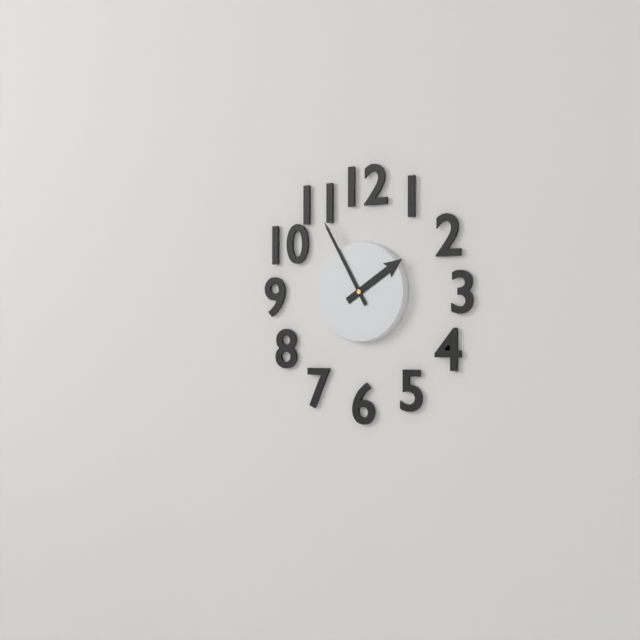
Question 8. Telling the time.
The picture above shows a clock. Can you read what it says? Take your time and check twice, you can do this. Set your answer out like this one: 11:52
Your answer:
1:55
